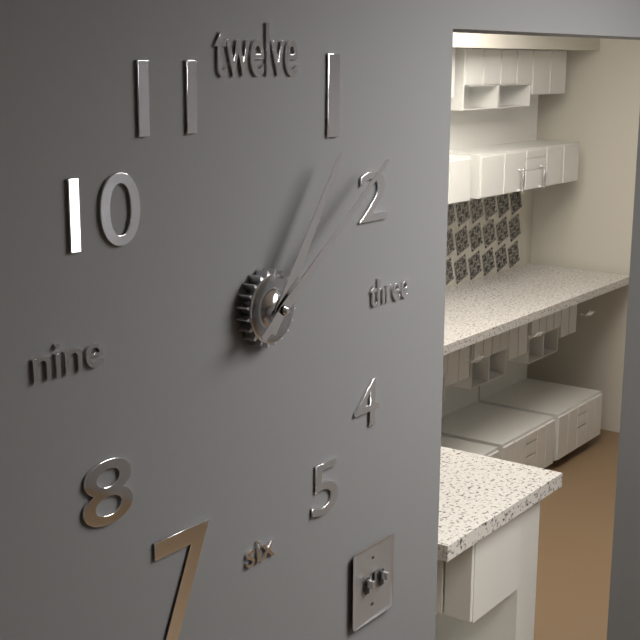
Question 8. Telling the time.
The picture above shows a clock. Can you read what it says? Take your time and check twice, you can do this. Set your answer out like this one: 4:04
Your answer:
1:09
